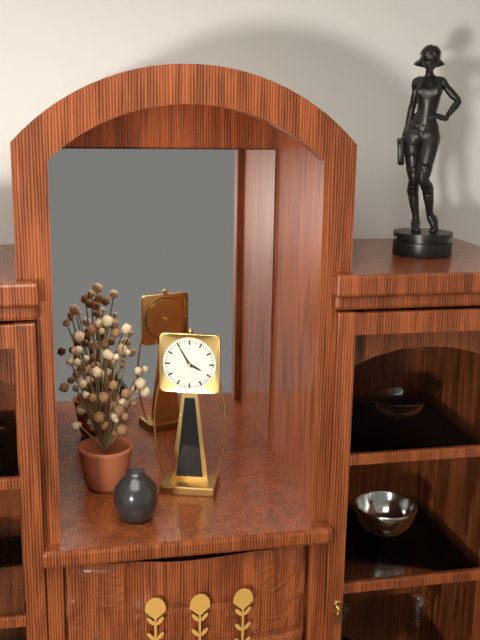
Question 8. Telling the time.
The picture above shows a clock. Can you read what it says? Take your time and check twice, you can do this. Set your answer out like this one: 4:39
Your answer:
3:55
